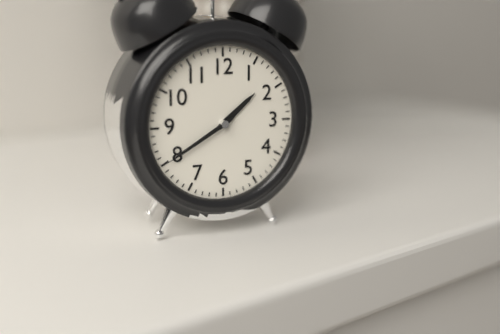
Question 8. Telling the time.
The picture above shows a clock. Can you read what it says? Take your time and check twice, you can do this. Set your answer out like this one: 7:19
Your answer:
1:40
